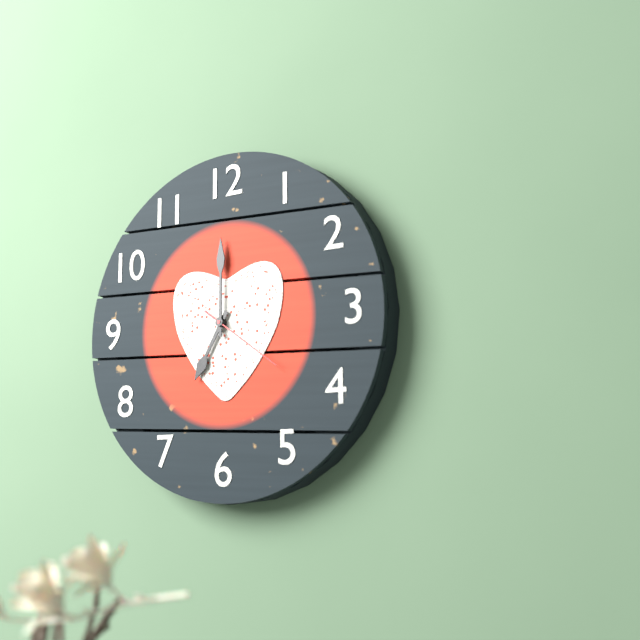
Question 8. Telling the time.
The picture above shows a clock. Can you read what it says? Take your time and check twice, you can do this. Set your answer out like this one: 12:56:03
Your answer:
7:00:21
